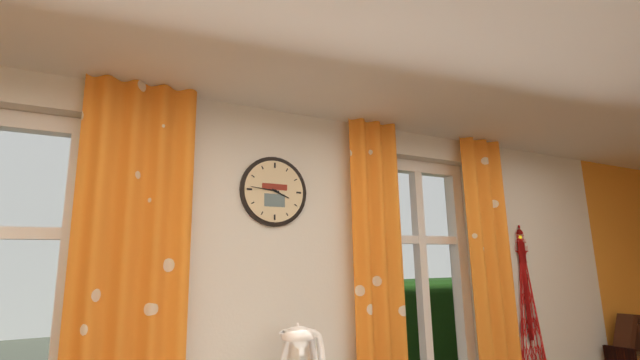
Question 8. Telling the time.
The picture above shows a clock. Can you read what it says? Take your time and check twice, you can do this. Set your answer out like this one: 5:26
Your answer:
3:46
